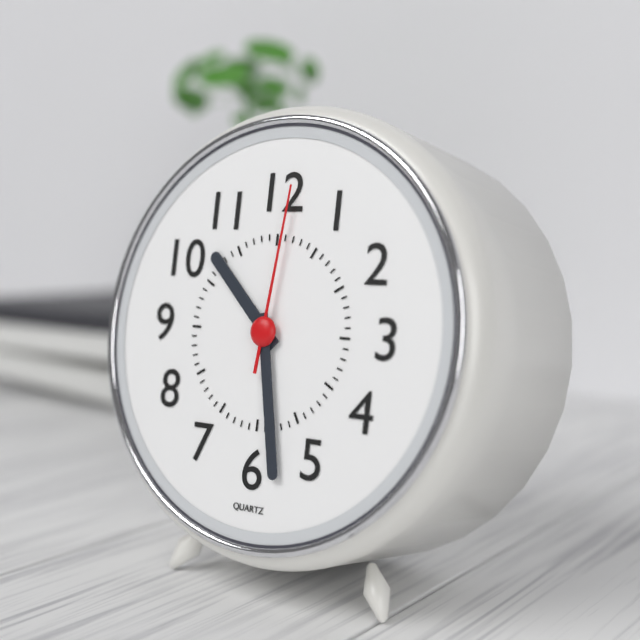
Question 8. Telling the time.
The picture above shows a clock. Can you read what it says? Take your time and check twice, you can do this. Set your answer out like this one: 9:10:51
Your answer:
10:28:01
